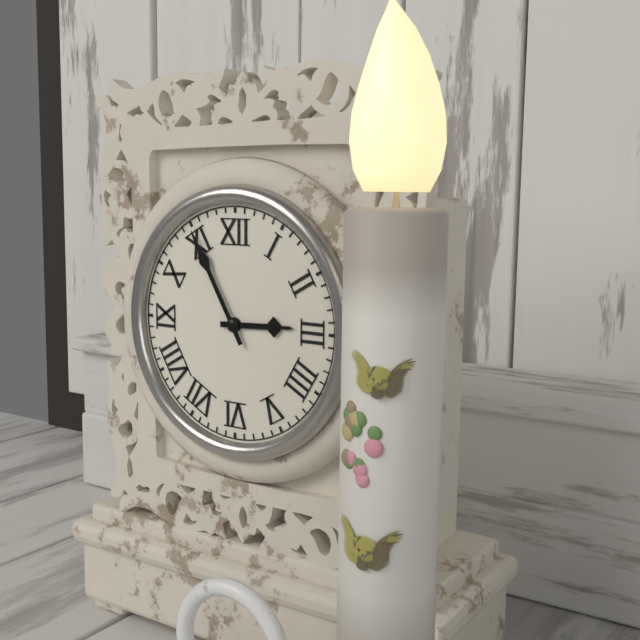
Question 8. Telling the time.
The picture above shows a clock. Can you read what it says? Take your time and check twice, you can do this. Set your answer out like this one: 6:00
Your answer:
2:55
